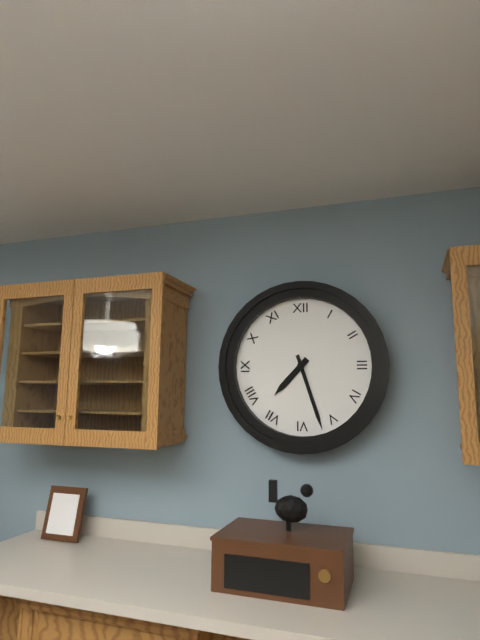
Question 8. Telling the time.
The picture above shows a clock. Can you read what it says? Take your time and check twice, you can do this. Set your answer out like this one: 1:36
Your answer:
7:27
